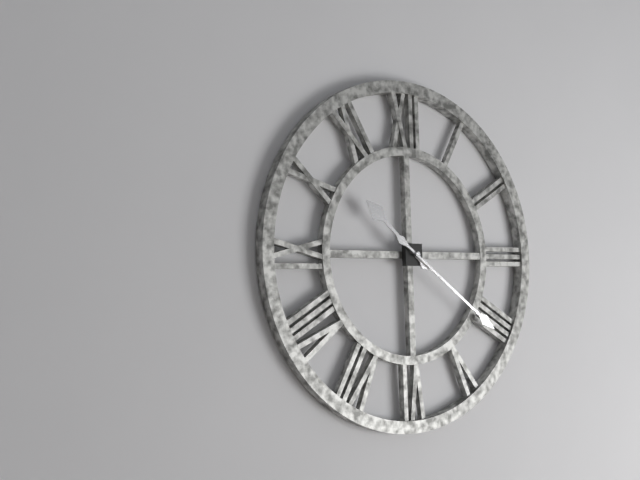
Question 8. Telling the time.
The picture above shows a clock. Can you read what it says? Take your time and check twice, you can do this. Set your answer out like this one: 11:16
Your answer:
10:21
